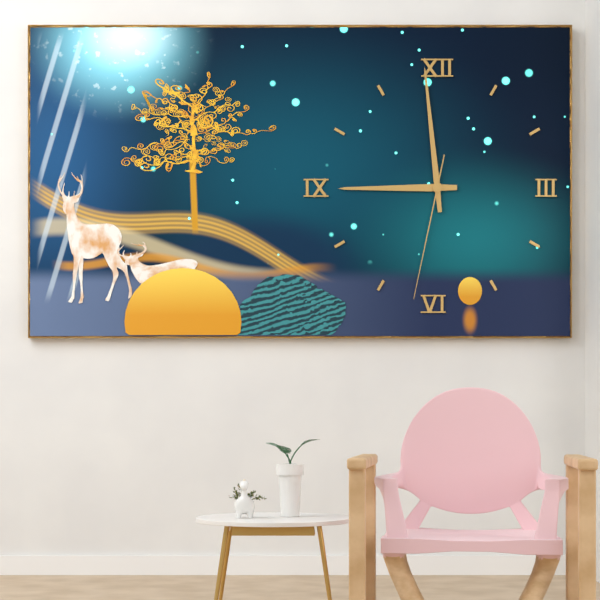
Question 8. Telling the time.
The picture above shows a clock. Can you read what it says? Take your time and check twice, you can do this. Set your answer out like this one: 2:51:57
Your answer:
8:59:32
